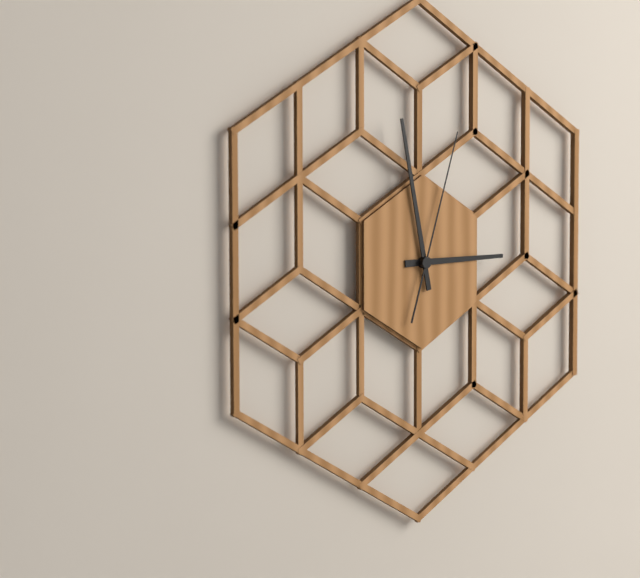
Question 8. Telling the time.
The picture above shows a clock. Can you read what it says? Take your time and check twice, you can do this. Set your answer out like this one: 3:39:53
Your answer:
2:58:03
